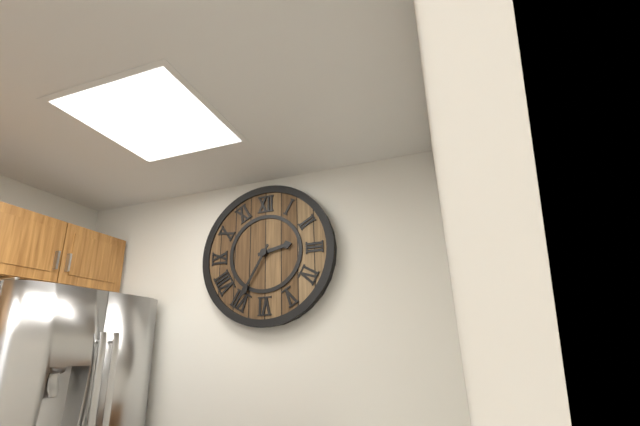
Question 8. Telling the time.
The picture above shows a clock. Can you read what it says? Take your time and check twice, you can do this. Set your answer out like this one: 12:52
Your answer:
2:35
